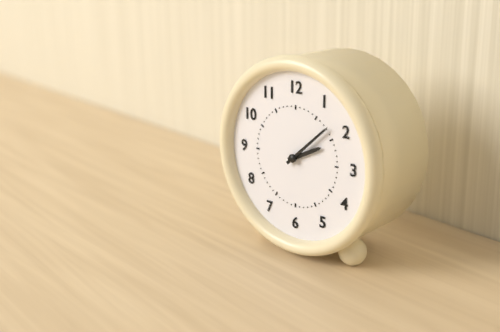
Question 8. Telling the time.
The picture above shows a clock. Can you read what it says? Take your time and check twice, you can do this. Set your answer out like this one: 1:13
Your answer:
2:08
